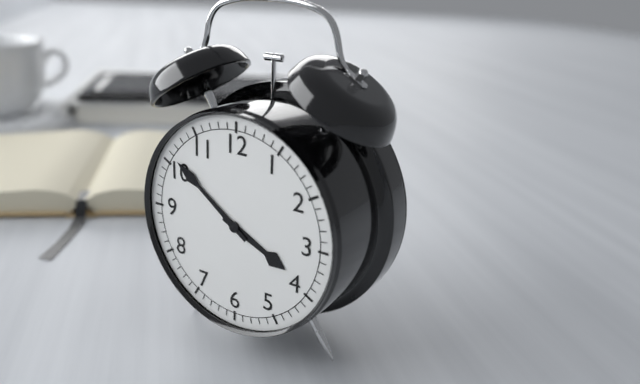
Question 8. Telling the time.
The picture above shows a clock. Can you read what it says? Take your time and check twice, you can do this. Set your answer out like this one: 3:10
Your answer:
3:51
